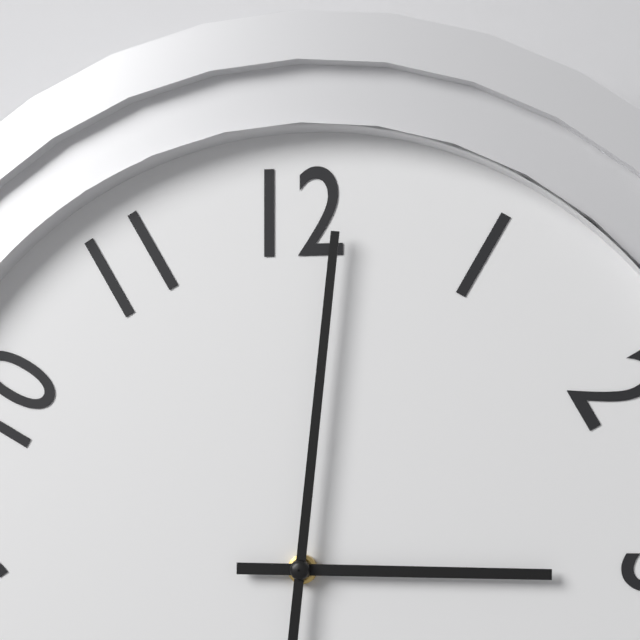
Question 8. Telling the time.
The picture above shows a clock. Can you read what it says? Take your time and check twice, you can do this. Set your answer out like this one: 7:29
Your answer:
3:01
